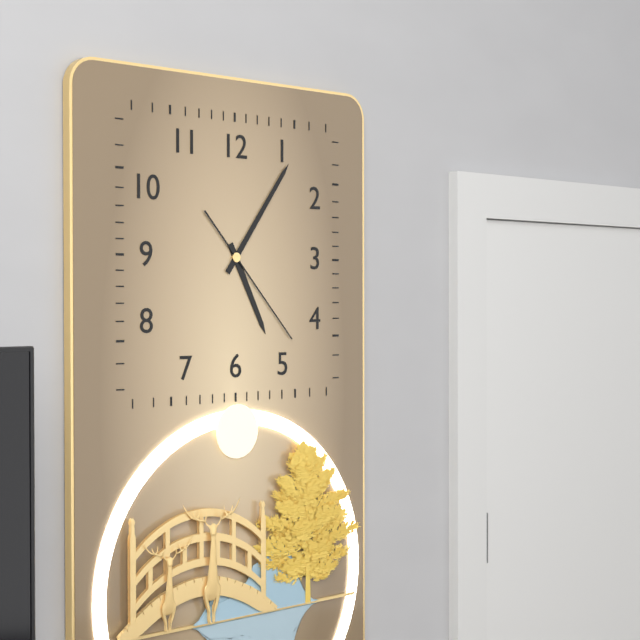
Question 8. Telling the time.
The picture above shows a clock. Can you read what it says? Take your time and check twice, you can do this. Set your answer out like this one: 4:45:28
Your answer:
5:06:23
